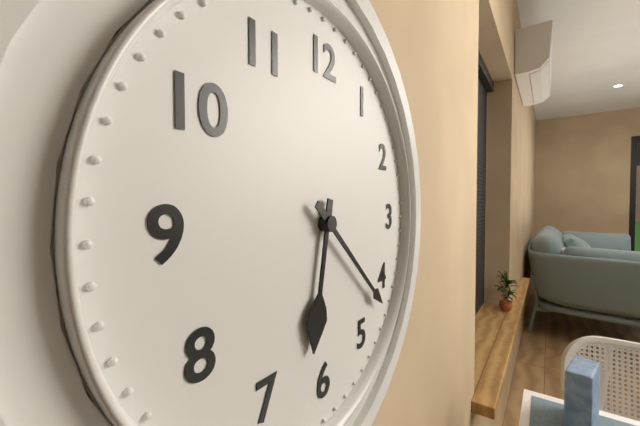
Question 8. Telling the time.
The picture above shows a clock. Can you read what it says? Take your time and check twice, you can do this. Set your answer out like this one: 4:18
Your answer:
6:22
